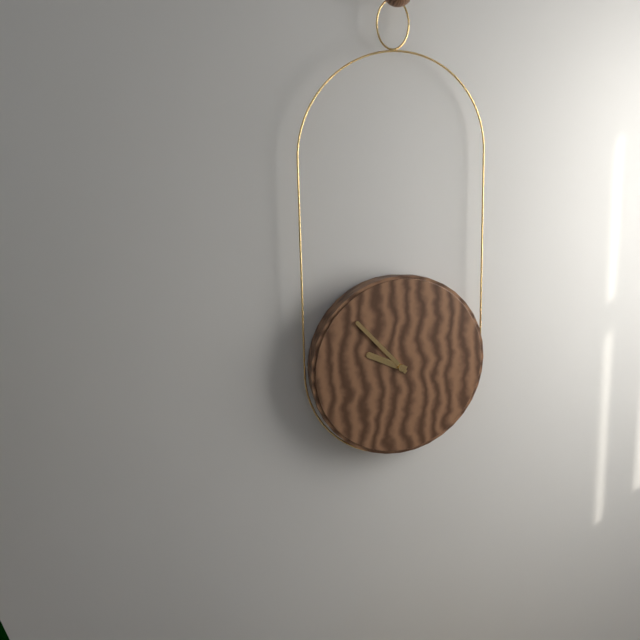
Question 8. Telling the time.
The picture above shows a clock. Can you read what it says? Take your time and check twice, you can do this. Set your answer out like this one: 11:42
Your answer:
9:53
